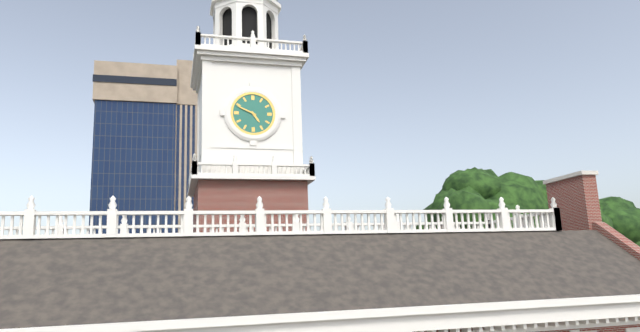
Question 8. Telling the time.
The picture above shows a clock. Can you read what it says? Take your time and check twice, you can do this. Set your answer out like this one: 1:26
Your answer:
4:49
